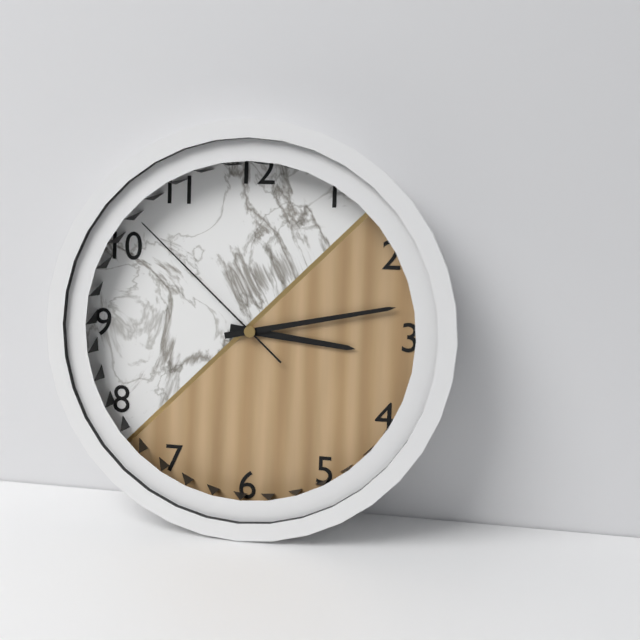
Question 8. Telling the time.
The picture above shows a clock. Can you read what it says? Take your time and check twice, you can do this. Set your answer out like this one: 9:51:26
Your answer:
3:13:52
